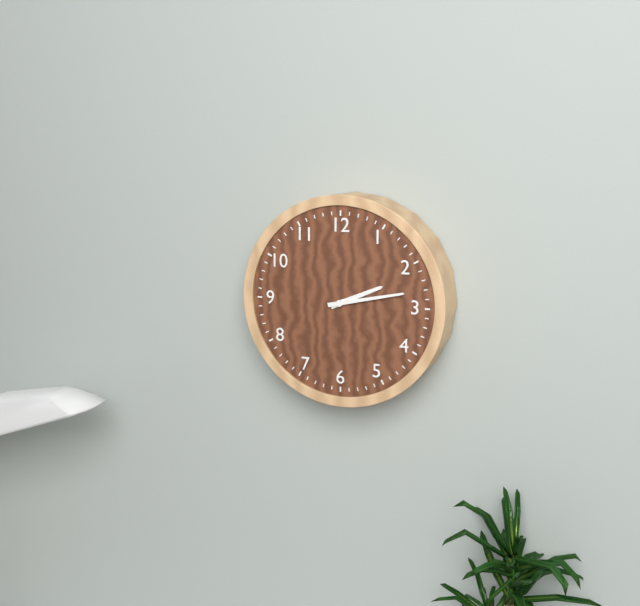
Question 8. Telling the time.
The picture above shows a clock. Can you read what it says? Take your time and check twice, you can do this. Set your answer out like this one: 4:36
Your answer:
2:13
